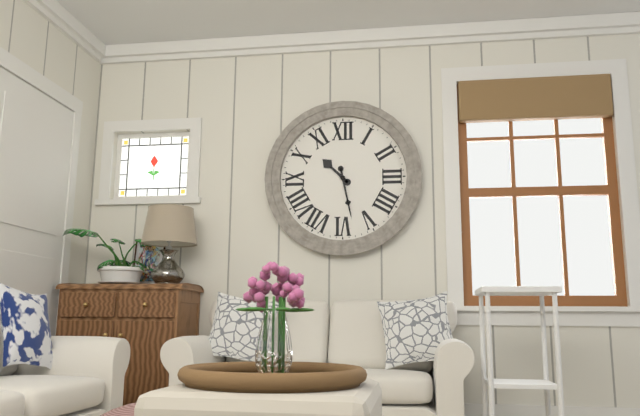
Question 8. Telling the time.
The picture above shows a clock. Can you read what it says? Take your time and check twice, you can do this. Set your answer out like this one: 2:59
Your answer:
10:28
